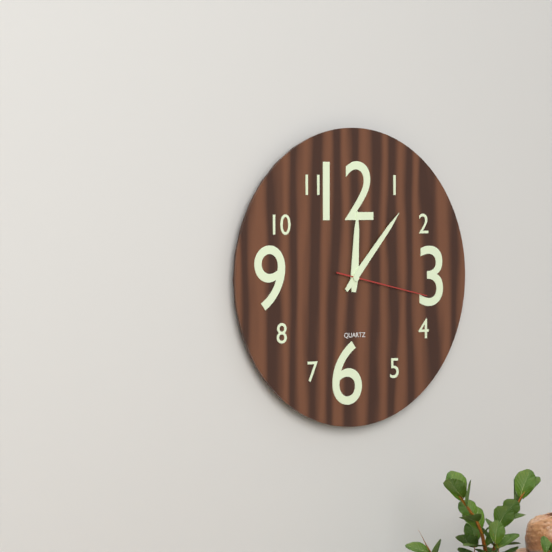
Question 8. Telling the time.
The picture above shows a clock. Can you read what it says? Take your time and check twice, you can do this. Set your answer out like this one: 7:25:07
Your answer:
12:07:17
